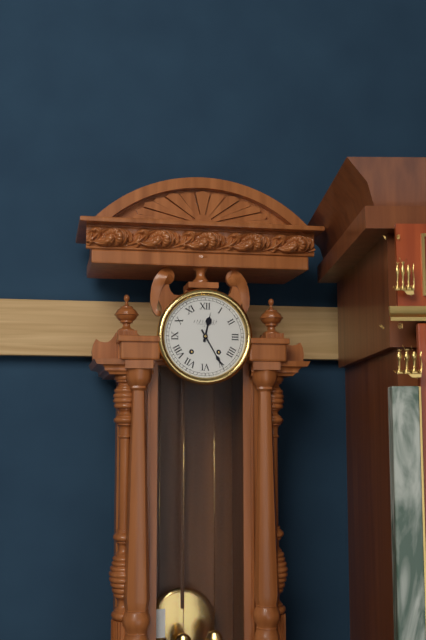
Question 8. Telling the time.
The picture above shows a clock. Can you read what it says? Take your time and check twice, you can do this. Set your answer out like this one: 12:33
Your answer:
12:25
